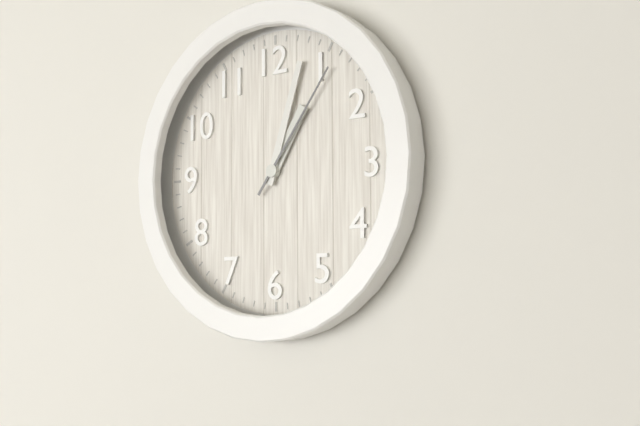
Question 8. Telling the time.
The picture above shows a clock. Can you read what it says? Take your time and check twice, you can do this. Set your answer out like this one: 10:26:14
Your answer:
1:03:06
